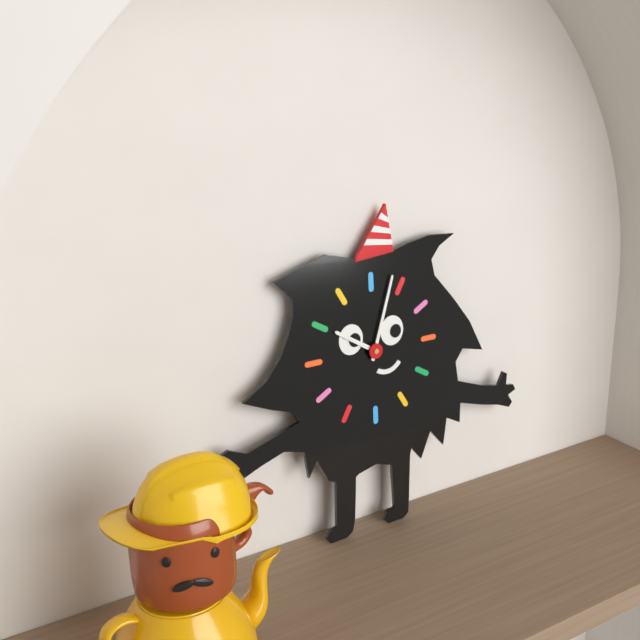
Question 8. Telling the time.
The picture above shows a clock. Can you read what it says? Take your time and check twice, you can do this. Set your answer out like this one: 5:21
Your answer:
10:03
